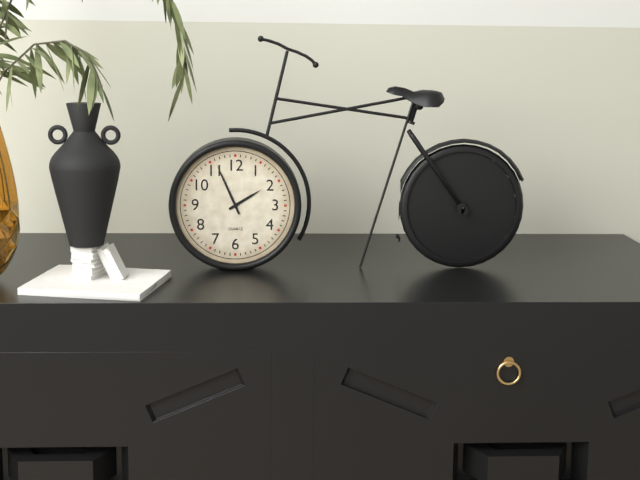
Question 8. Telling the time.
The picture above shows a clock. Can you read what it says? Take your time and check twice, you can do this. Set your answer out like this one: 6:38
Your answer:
1:56
